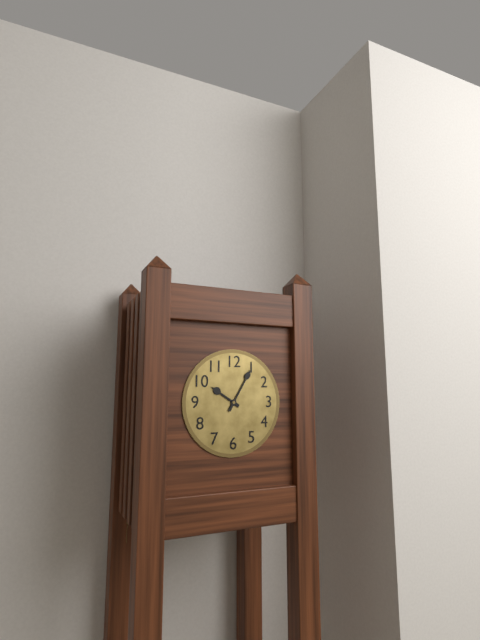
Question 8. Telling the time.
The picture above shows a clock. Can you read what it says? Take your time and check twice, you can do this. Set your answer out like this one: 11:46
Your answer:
10:05
